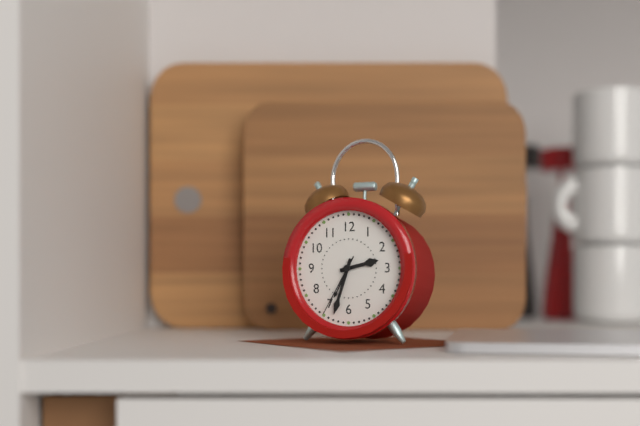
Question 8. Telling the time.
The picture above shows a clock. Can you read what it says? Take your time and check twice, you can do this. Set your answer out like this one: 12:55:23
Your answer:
2:33:35
